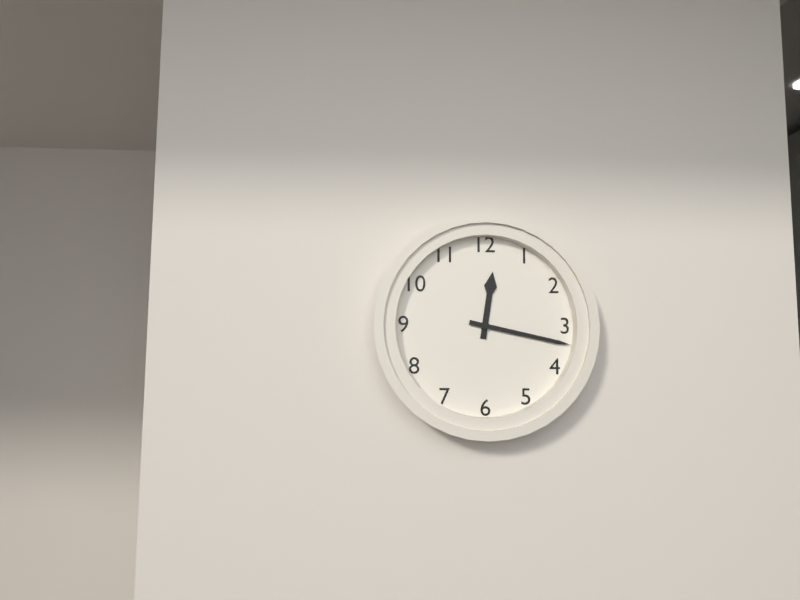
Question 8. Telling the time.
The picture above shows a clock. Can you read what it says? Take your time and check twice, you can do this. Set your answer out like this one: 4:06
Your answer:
12:17
